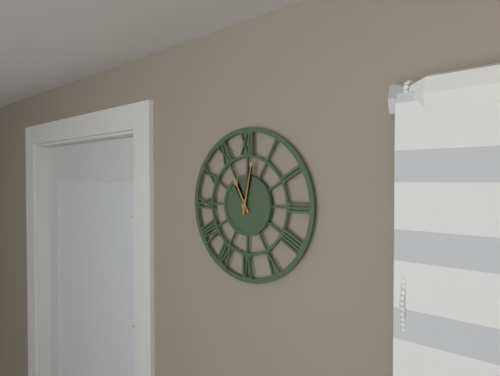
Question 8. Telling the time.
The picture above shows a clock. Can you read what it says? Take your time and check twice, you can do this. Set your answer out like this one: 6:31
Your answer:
11:02
